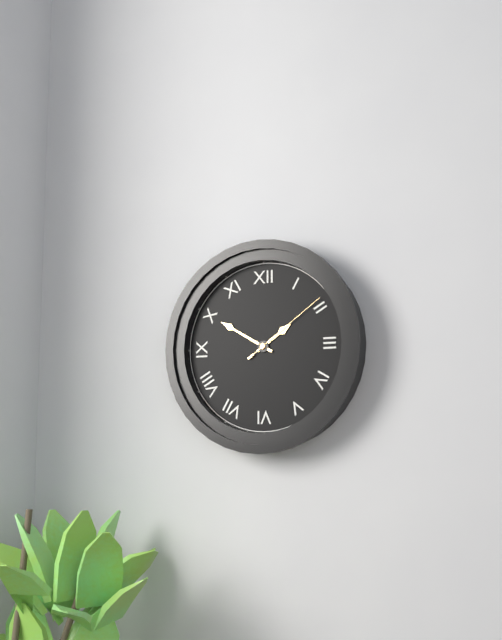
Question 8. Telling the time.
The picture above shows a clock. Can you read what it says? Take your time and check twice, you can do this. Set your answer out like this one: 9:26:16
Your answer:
1:50:09
